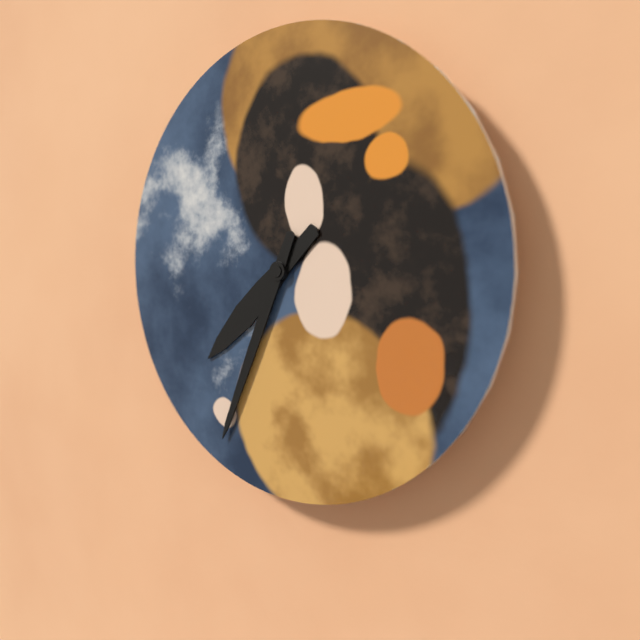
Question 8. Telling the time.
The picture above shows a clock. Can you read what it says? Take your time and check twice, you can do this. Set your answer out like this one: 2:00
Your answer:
7:34
